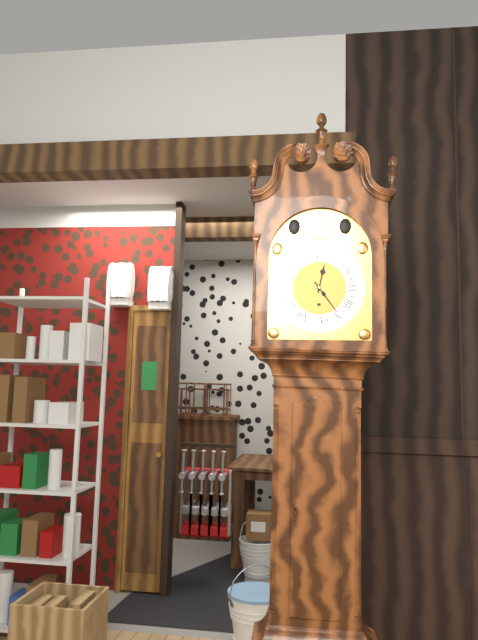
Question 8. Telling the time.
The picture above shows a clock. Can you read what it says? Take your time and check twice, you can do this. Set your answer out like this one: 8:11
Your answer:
12:24
